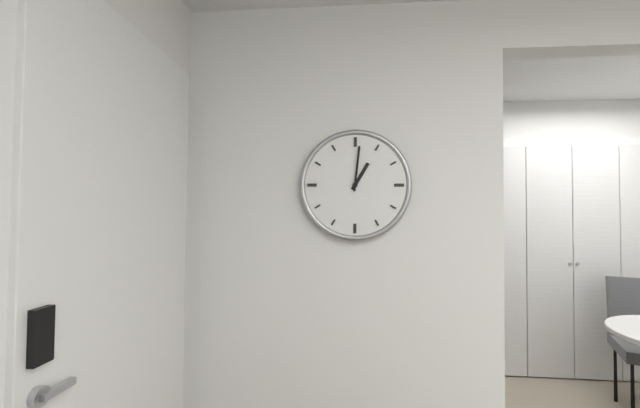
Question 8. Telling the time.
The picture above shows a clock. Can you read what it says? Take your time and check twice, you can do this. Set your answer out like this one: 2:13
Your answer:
1:01
